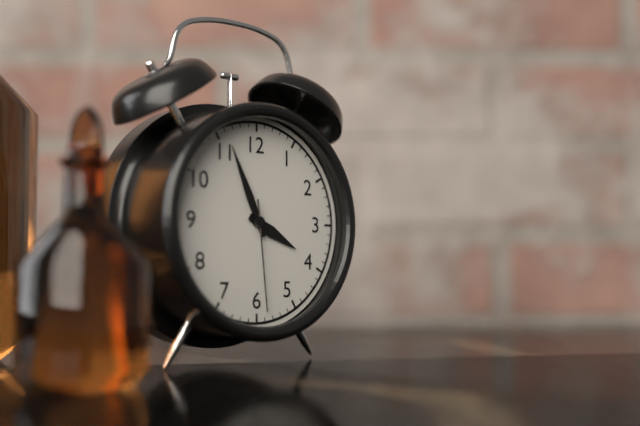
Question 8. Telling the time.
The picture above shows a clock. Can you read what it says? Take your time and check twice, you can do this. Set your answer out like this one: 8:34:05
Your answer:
3:56:29
